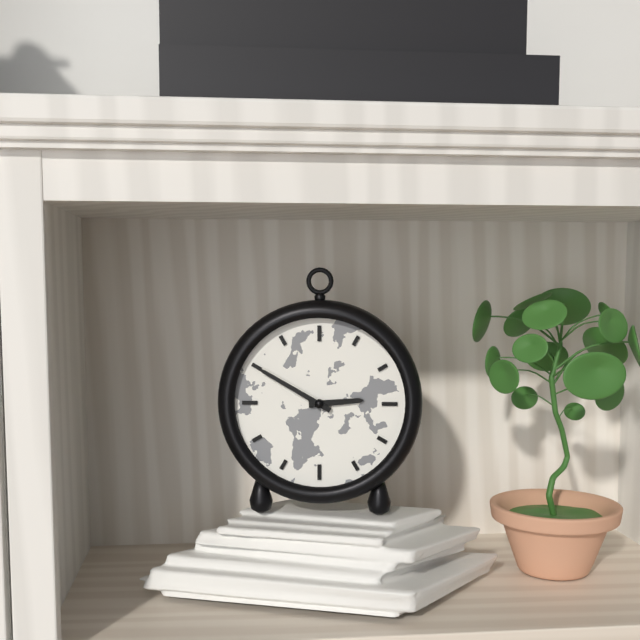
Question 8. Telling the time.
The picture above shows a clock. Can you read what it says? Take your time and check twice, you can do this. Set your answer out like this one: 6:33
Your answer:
2:50
